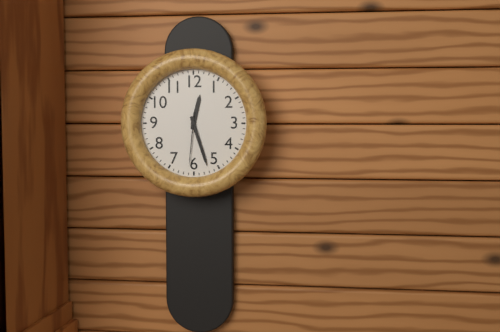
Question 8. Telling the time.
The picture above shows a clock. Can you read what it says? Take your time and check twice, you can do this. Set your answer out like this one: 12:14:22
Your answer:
12:27:31
